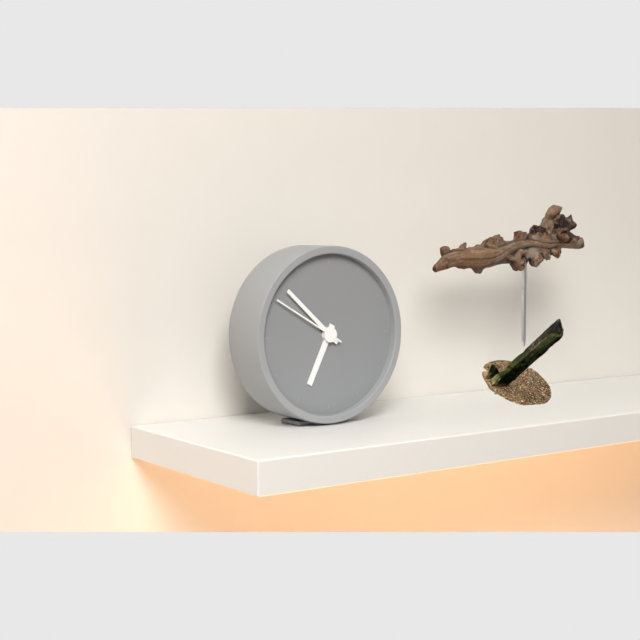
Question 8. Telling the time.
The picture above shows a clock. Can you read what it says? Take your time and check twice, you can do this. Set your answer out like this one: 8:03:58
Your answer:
6:52:50
